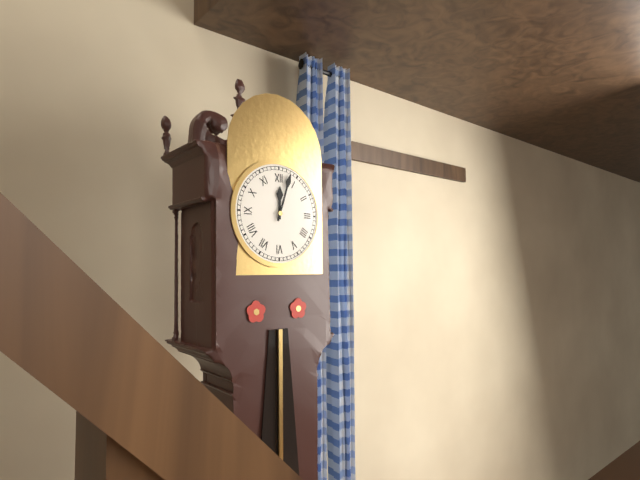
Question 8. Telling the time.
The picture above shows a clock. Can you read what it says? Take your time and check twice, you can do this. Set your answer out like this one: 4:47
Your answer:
12:03
